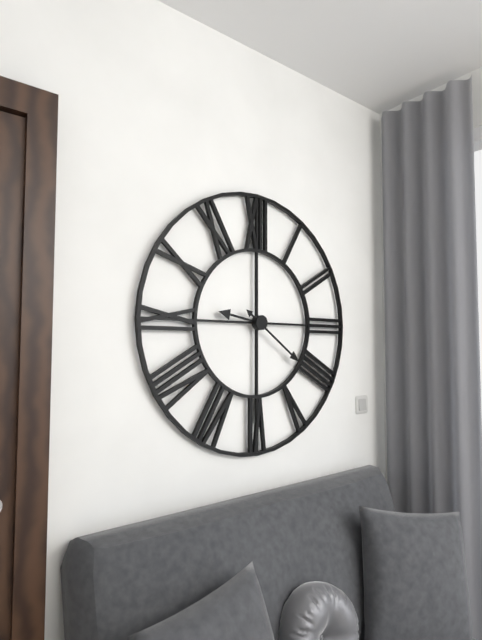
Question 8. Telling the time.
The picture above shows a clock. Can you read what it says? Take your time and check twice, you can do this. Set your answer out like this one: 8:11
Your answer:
9:21
